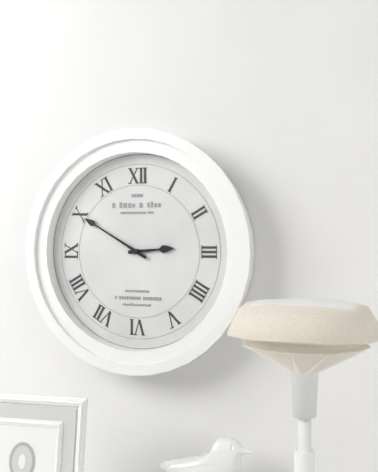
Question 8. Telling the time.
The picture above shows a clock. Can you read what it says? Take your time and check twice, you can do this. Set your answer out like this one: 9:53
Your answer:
2:50
